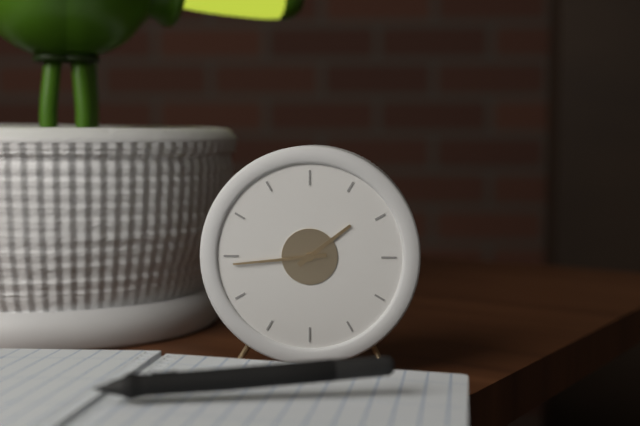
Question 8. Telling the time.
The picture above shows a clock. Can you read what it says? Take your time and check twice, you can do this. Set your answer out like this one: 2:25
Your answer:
1:44
